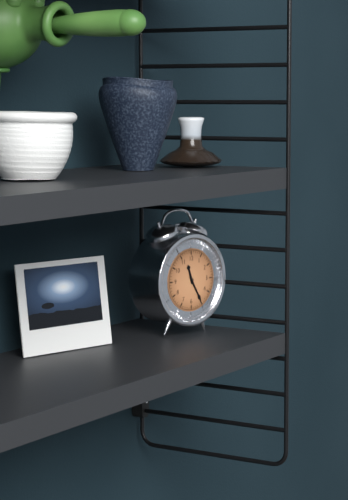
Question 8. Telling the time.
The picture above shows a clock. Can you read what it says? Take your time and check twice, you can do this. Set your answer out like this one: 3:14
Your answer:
11:25
